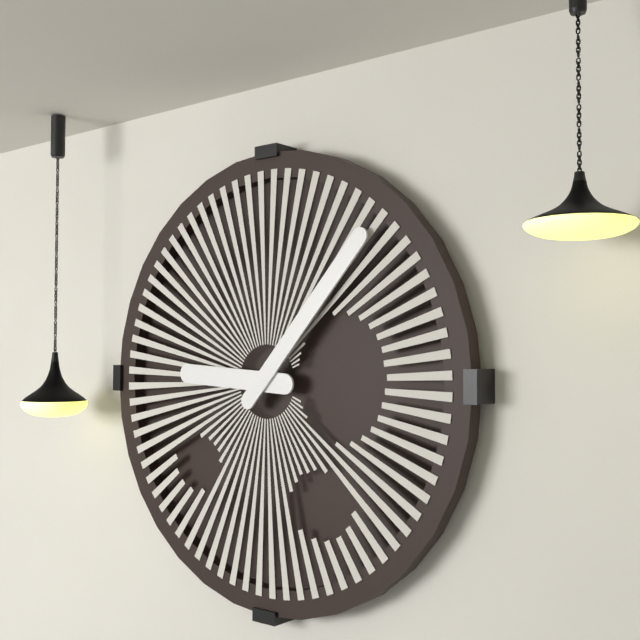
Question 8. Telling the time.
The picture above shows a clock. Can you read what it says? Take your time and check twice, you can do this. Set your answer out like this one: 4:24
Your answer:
9:07
